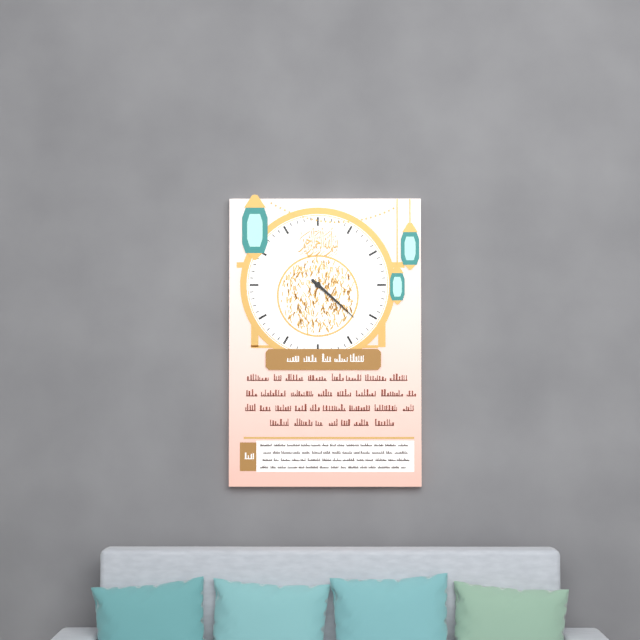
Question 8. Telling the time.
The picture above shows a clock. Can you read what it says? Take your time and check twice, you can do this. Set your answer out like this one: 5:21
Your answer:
4:22
